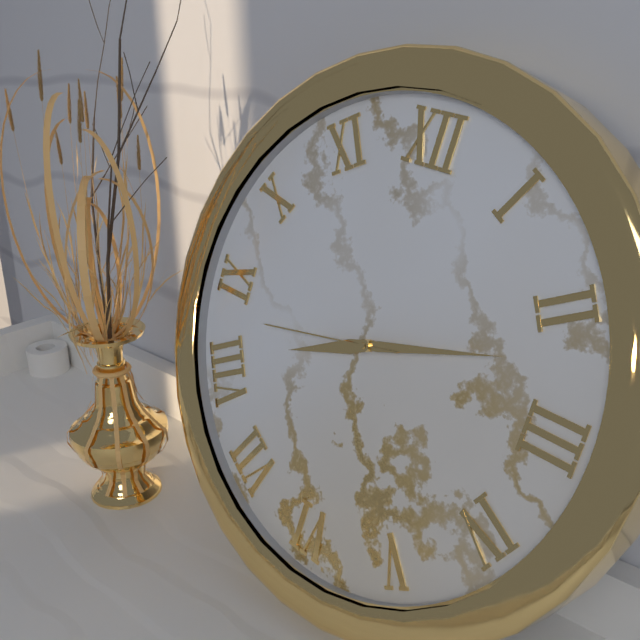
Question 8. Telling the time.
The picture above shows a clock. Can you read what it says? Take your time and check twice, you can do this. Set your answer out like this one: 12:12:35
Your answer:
8:12:43
